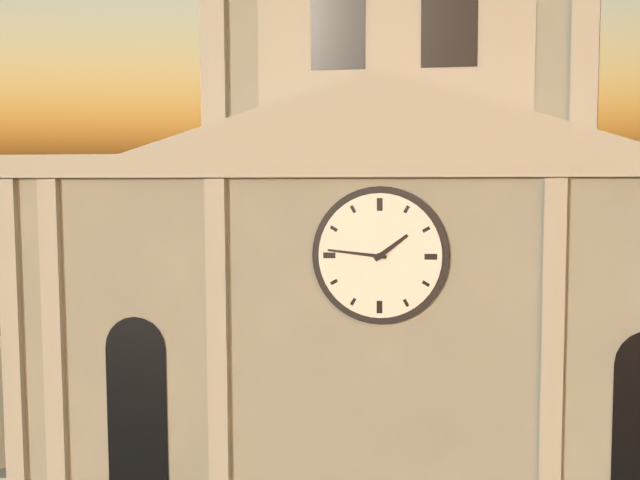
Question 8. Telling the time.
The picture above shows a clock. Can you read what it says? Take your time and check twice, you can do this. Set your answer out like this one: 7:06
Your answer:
1:46
